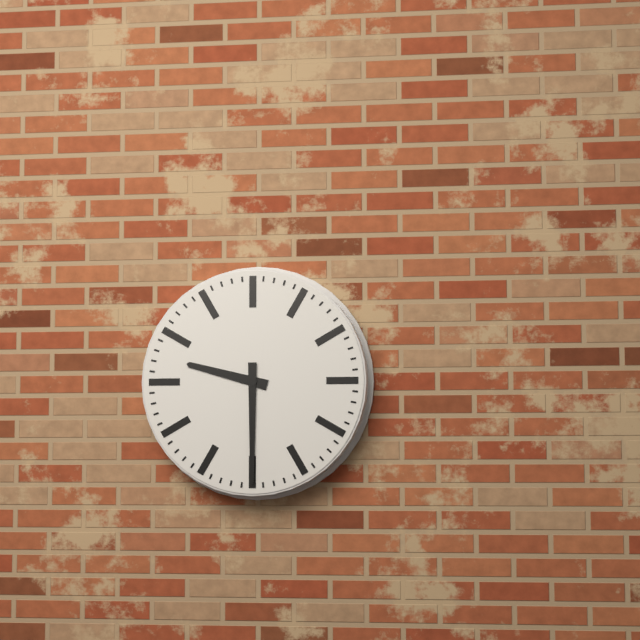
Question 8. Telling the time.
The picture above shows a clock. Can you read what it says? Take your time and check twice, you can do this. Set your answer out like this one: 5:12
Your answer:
9:30
